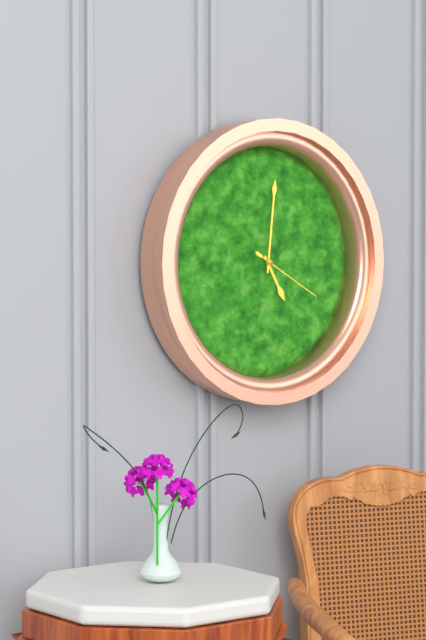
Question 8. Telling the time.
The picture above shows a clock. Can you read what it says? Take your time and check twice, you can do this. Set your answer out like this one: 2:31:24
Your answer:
5:01:20
